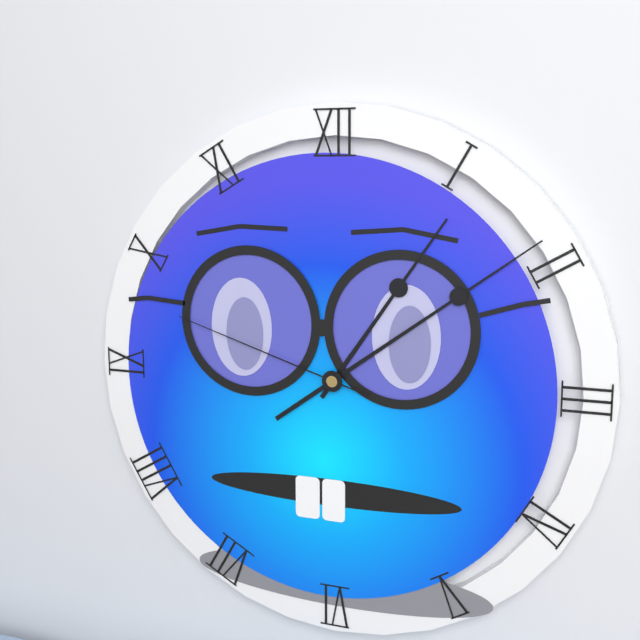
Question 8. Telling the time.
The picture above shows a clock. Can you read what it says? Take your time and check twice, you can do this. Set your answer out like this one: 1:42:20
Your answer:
1:09:48
